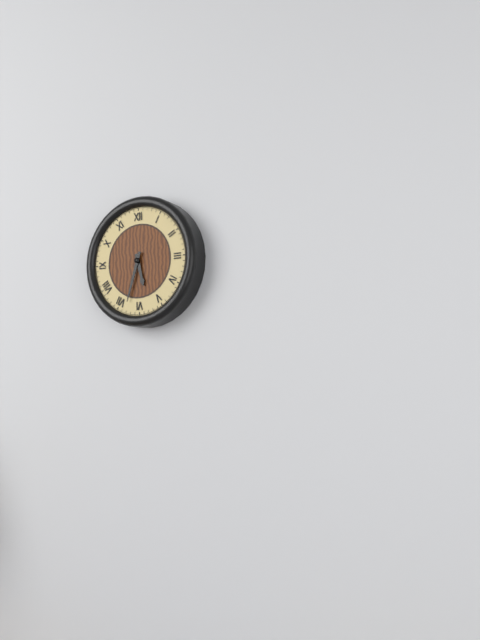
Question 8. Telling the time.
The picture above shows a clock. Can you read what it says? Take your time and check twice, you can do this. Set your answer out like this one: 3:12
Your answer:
5:33
